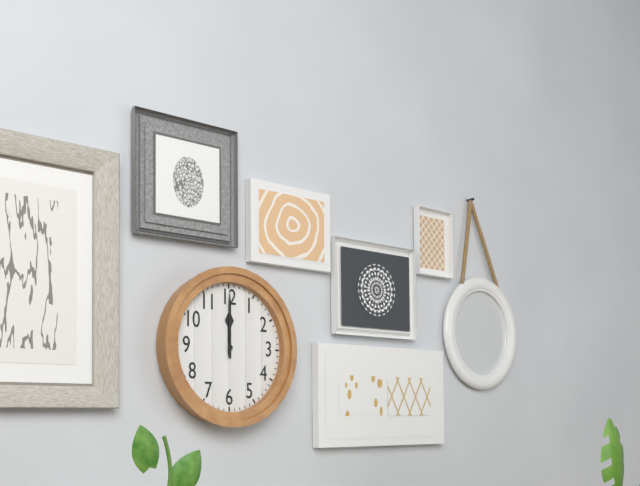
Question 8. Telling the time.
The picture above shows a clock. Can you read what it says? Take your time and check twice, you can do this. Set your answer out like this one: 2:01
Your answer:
12:00
